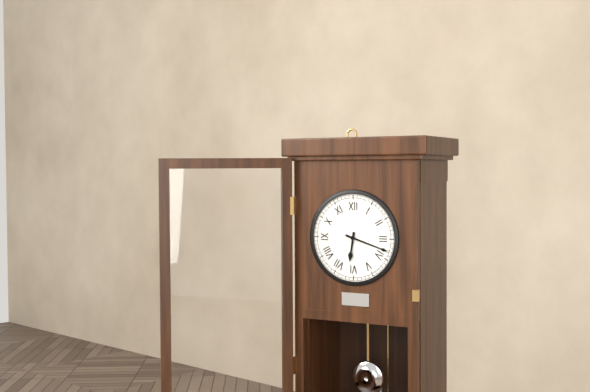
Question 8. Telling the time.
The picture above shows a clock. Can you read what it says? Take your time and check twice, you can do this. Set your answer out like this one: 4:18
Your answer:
6:18
